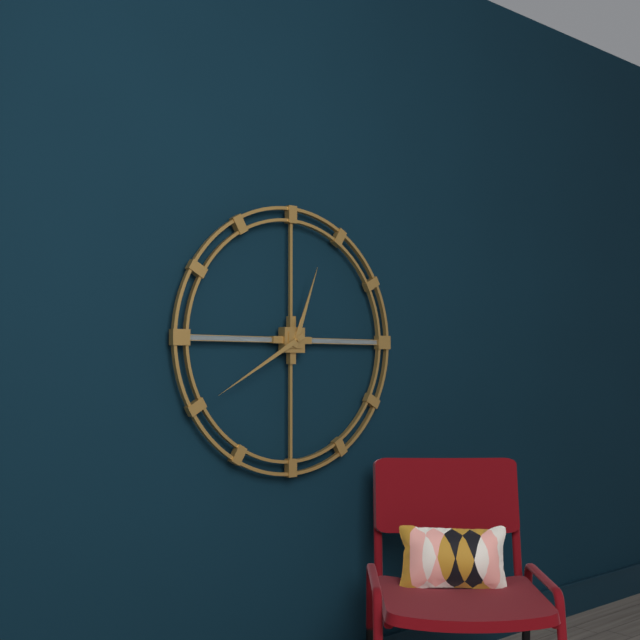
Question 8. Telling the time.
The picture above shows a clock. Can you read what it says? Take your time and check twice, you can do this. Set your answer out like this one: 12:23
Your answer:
12:40
